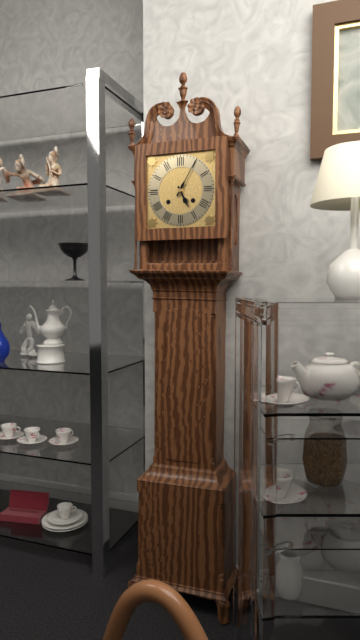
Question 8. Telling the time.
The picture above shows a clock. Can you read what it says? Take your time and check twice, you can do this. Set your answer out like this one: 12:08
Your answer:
5:05
